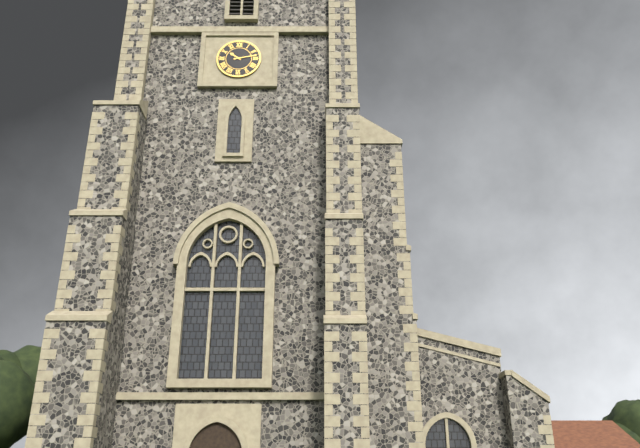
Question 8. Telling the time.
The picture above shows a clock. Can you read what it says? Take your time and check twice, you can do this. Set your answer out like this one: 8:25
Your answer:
10:13
